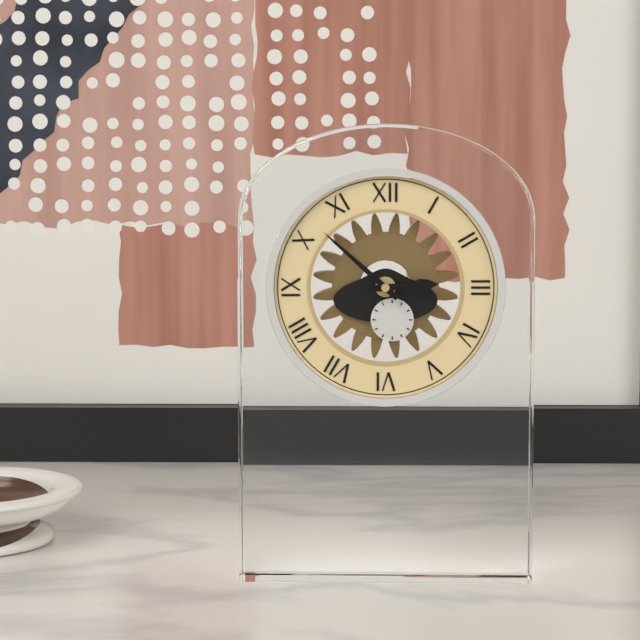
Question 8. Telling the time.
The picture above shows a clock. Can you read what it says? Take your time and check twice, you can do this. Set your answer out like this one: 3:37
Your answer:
2:52
